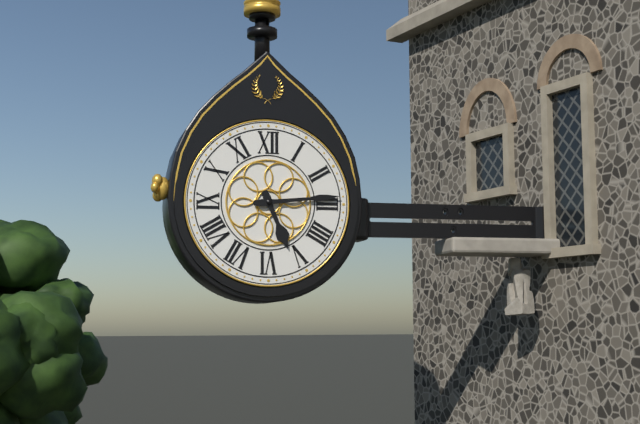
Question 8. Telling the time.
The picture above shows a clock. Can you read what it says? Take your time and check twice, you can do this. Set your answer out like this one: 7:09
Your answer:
5:14
